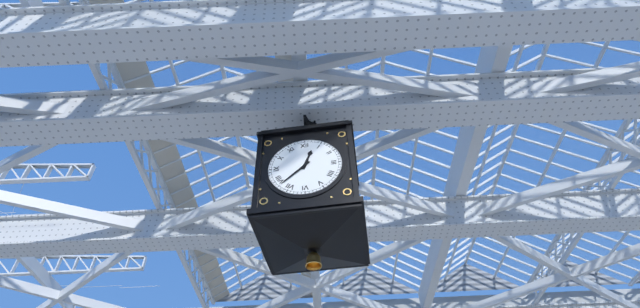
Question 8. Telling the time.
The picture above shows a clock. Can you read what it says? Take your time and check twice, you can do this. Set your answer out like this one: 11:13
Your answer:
12:38
